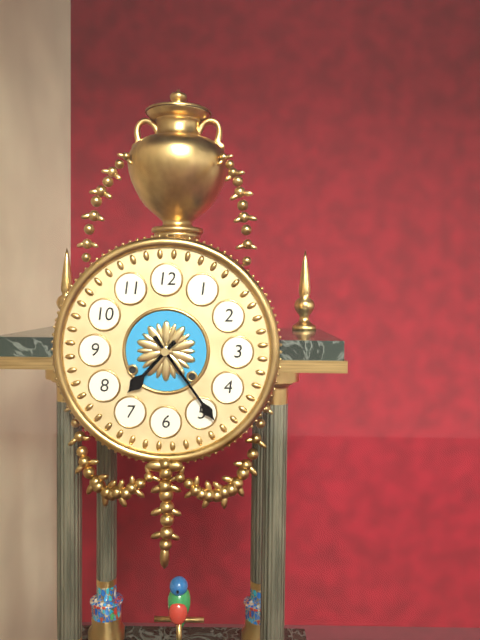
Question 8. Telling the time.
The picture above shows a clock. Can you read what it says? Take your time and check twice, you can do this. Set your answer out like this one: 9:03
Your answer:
7:24
